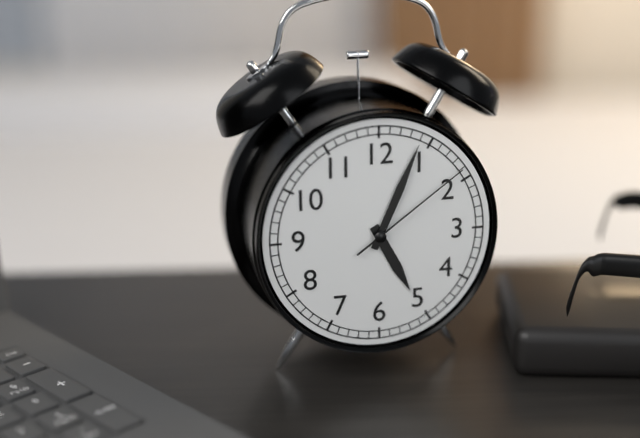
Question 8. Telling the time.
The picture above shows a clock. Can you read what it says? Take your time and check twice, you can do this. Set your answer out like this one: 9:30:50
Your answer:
5:04:09
